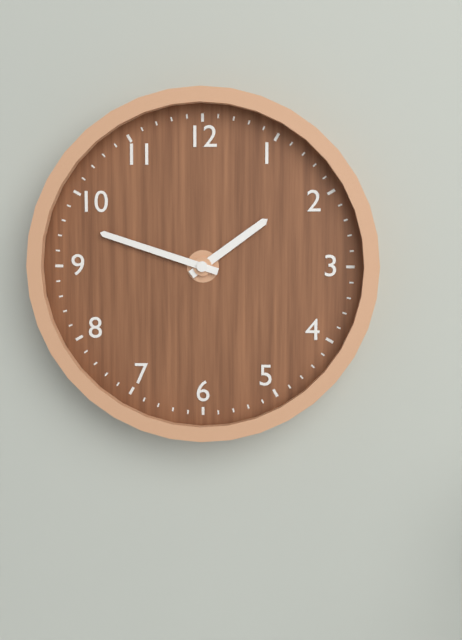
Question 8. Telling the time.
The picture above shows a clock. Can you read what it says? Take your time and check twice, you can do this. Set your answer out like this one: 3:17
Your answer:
1:48
